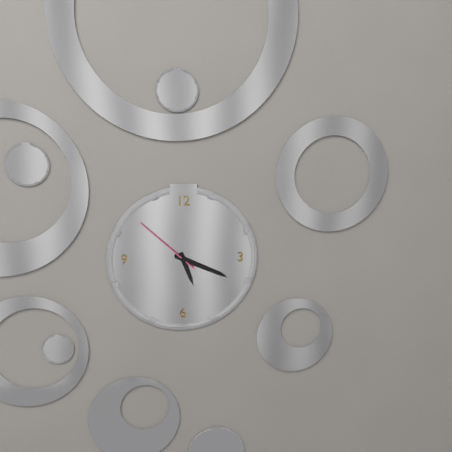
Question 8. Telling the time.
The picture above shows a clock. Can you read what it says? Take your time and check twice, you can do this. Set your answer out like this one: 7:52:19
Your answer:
5:19:52
